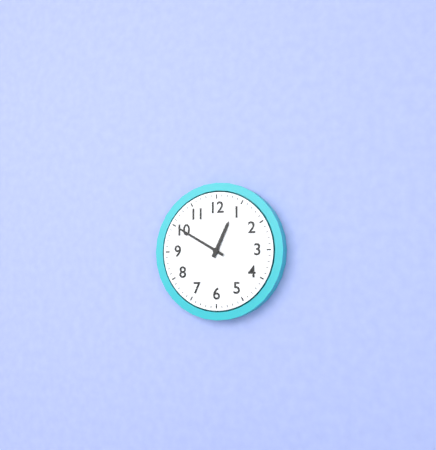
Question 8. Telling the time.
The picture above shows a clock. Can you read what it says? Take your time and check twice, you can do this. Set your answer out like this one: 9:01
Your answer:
12:50
